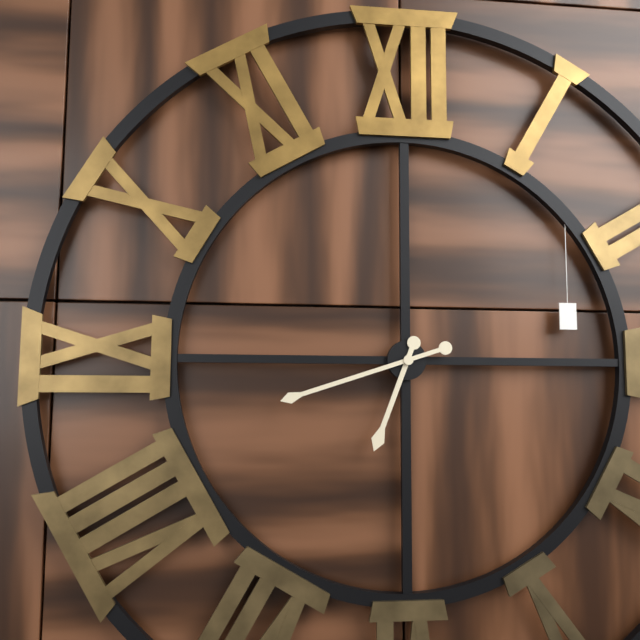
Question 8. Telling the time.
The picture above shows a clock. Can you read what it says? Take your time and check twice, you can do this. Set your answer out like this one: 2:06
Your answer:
6:42
